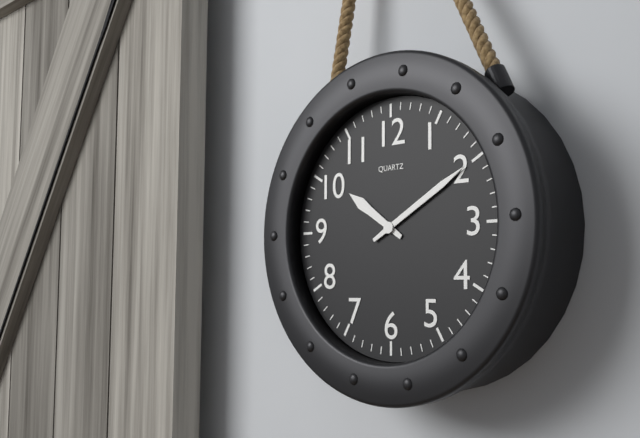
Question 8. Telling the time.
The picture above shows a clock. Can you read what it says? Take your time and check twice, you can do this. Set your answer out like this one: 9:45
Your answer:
10:10
